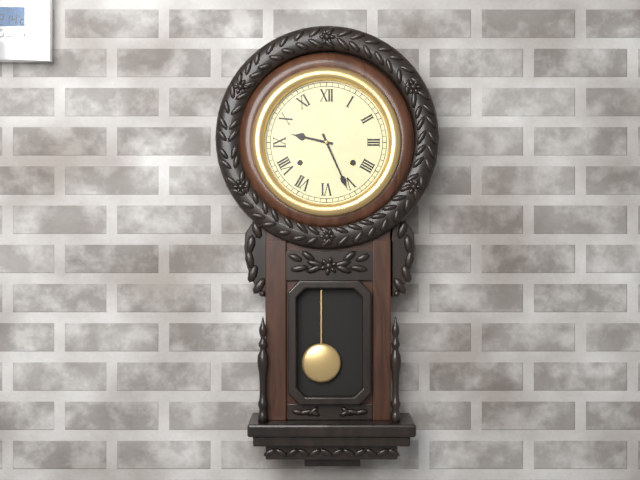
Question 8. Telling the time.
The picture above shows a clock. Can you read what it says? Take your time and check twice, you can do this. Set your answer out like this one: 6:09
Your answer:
9:26
